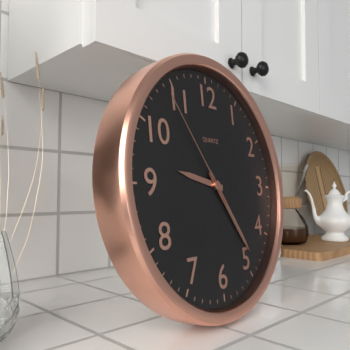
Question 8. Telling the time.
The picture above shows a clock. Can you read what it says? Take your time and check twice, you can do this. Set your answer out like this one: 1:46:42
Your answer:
9:24:54
